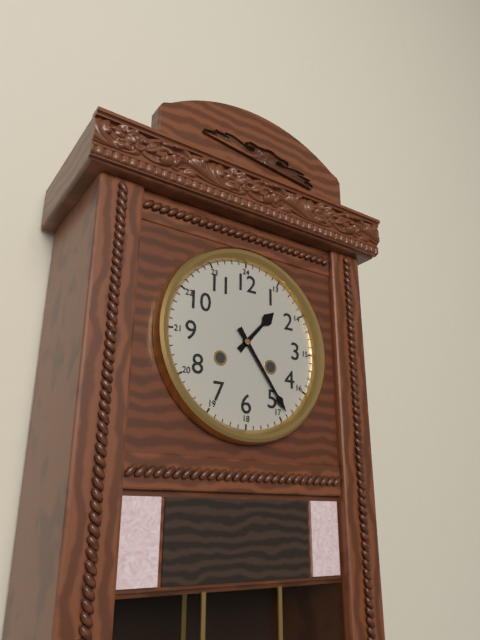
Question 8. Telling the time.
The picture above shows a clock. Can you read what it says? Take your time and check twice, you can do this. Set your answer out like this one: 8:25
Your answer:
1:24
